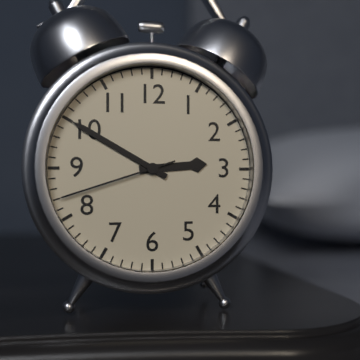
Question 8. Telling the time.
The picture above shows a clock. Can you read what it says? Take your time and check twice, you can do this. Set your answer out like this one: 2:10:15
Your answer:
2:50:42
